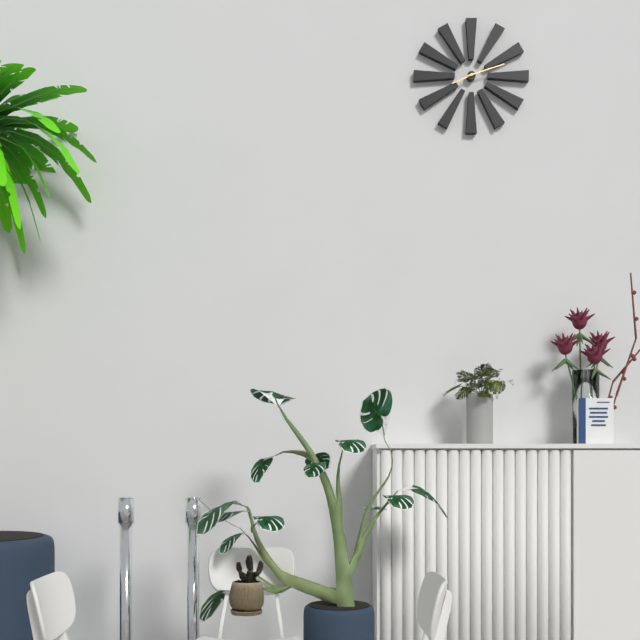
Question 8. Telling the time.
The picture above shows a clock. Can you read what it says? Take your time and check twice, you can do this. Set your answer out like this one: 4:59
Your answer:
8:12
